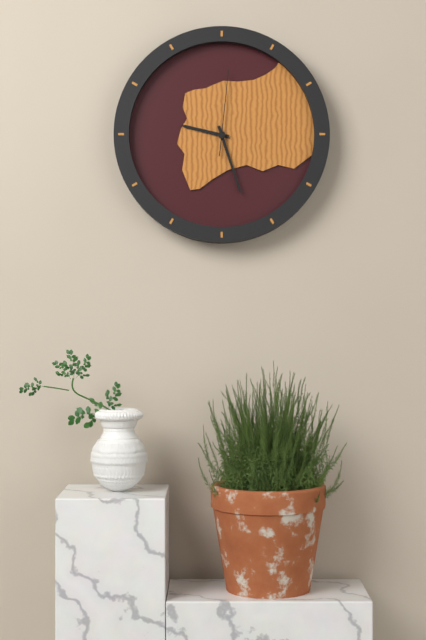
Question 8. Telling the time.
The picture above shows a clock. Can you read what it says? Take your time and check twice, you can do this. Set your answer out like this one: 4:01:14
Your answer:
9:27:01
